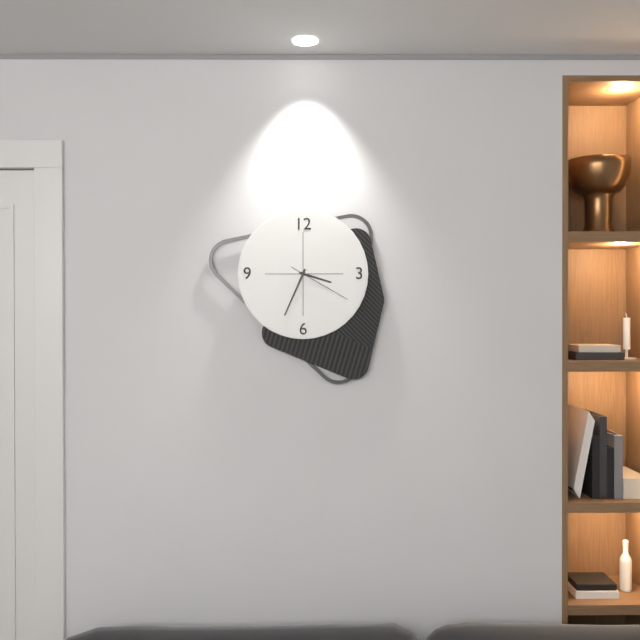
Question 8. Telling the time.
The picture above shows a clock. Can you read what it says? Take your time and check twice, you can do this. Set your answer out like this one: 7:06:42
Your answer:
3:34:20
